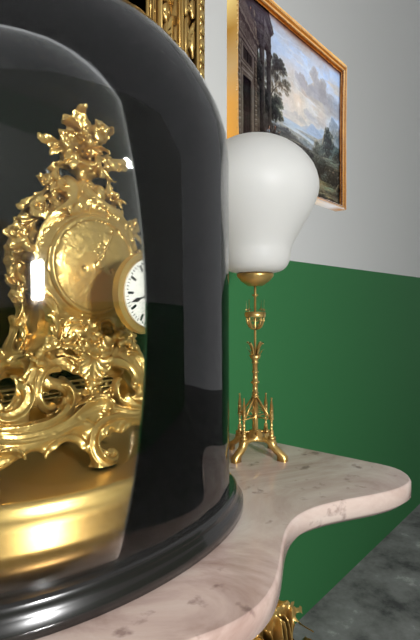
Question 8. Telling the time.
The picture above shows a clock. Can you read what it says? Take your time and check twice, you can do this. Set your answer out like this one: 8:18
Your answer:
12:42
